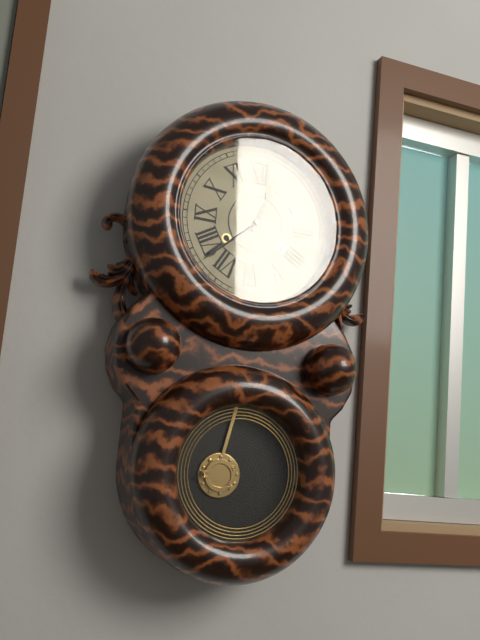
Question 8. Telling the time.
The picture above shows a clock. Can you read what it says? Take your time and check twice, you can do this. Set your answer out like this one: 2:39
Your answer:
12:38
